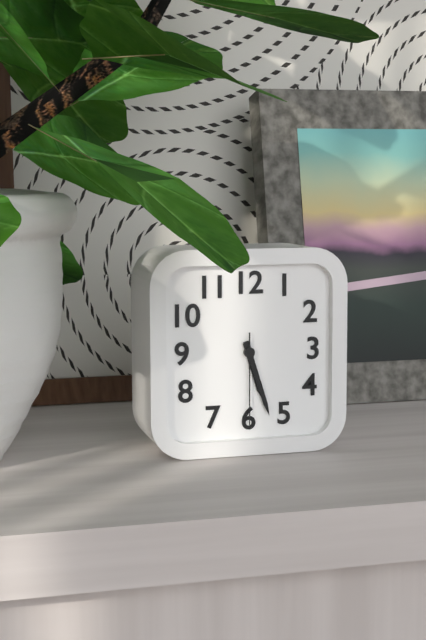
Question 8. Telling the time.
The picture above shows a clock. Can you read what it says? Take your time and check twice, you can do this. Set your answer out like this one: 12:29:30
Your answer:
5:27:30
